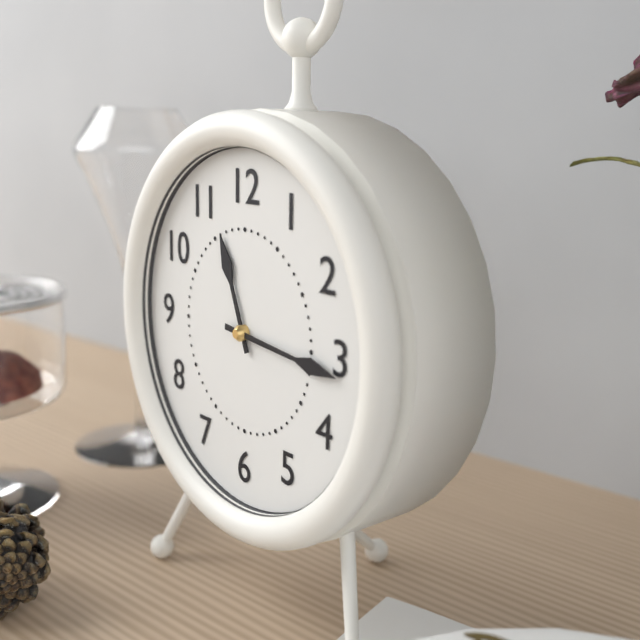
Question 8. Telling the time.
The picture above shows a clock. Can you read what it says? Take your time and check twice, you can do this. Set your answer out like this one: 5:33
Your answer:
11:16
